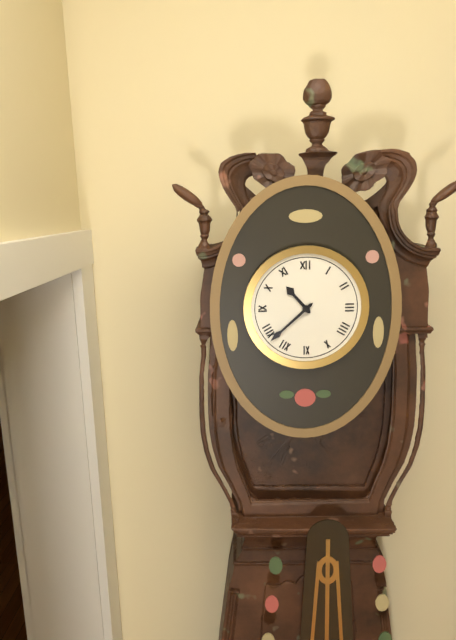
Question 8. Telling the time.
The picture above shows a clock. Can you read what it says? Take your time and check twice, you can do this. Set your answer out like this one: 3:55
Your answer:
10:38
